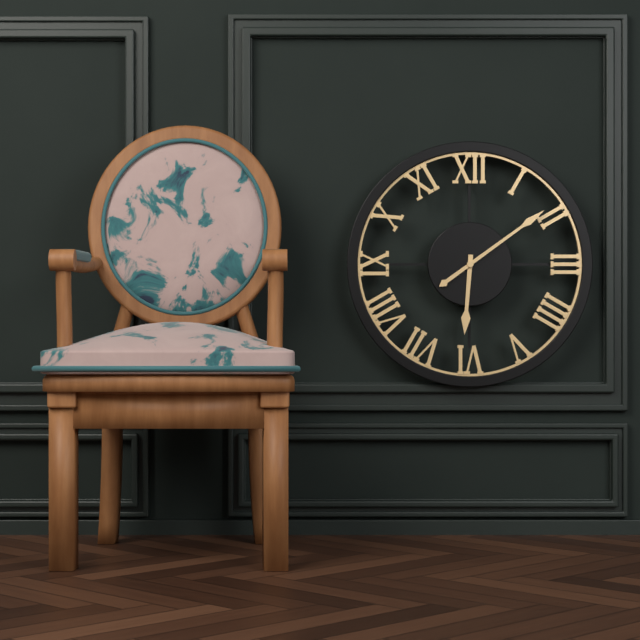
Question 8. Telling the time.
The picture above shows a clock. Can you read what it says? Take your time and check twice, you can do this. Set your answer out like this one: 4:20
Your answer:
6:09
